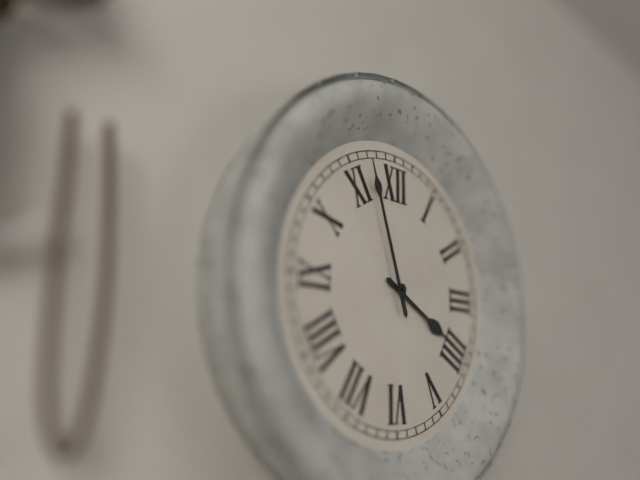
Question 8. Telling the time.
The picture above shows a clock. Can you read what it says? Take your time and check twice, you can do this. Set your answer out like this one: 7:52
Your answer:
3:57
